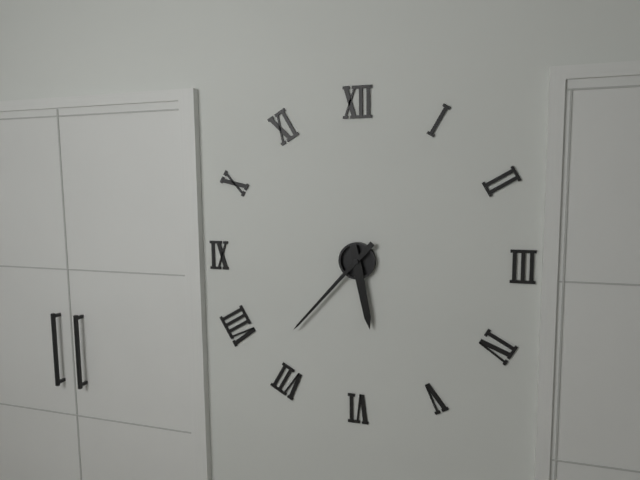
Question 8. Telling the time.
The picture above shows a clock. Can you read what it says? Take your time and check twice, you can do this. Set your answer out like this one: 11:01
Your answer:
5:37
